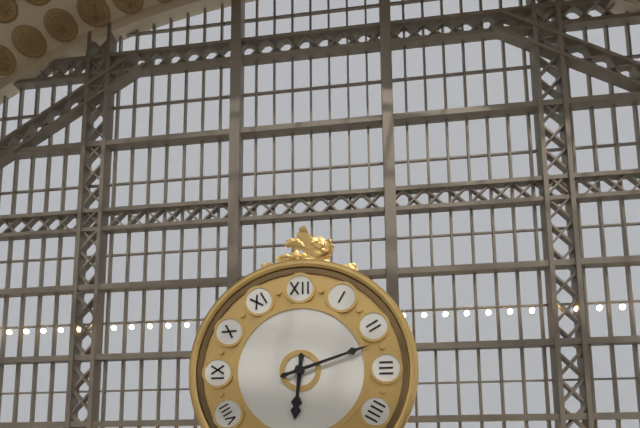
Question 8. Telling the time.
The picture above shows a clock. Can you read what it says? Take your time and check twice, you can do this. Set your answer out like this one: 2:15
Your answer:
6:12
